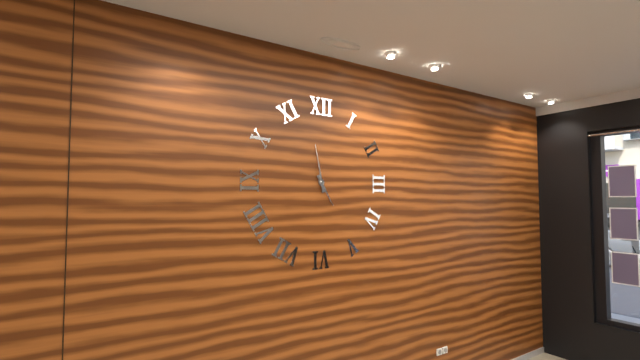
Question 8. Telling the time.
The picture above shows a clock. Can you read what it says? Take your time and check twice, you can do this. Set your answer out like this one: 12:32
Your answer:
4:58
